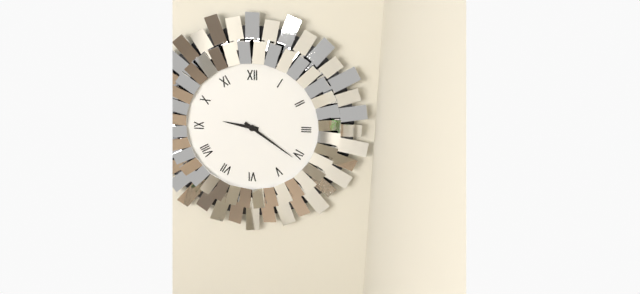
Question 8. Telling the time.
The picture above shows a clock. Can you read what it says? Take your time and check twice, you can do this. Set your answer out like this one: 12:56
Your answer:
9:21
